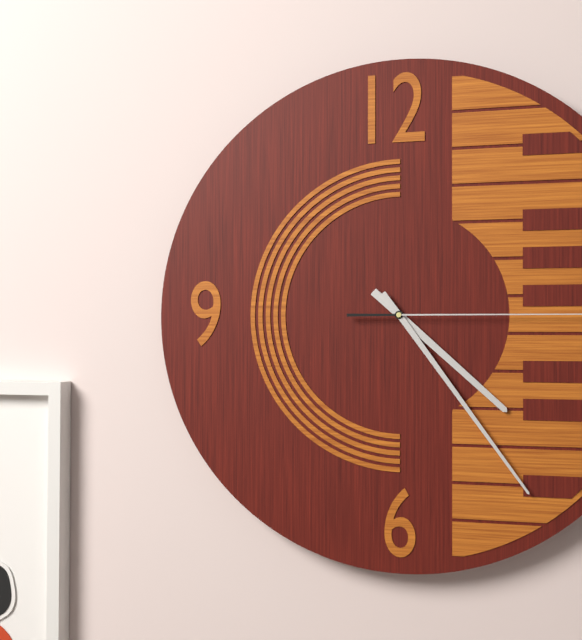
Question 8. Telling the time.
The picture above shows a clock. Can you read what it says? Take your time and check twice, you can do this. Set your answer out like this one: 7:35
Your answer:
4:24
